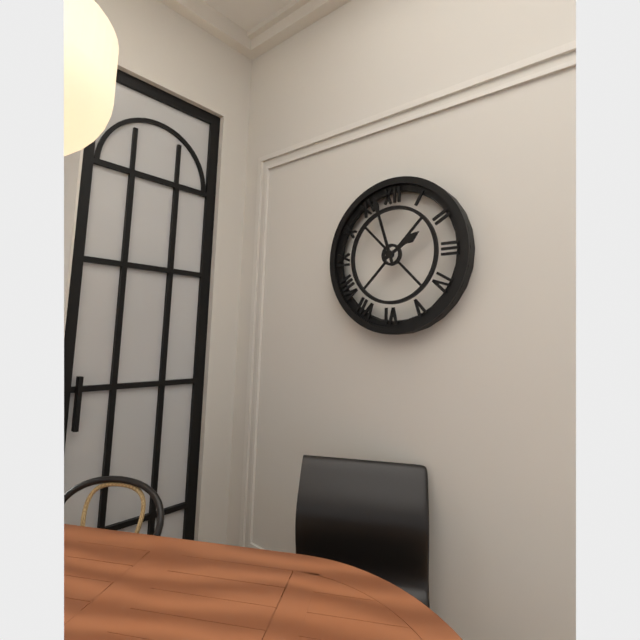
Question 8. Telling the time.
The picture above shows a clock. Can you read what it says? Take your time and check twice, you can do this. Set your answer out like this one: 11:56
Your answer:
1:57
